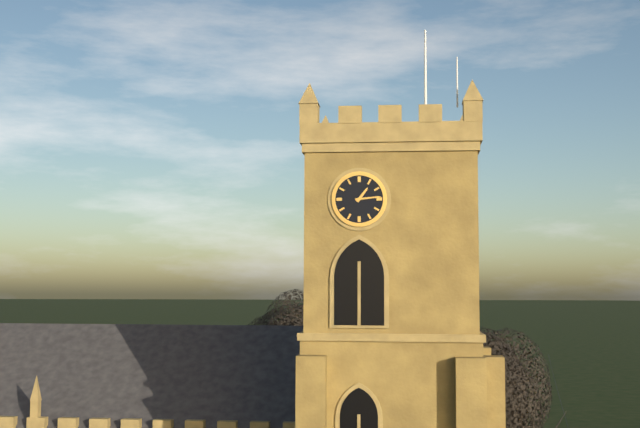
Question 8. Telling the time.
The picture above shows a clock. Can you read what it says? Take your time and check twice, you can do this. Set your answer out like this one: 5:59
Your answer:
1:14
